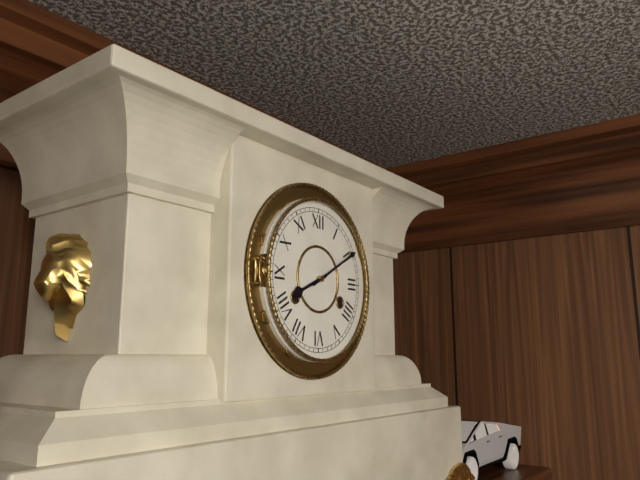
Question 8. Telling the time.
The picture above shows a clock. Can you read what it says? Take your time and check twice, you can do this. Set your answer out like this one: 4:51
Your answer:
8:10
